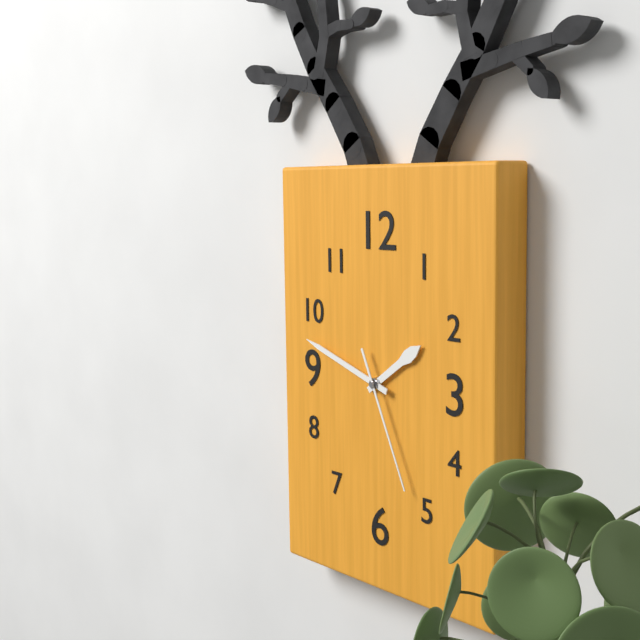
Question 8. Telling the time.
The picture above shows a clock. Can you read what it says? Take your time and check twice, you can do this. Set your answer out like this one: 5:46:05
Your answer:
1:48:26
